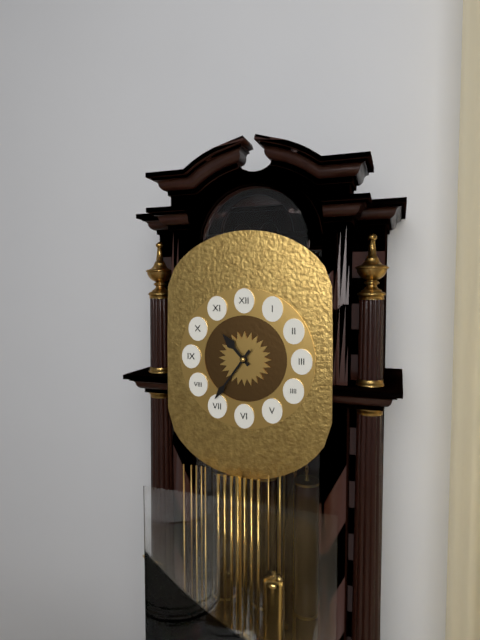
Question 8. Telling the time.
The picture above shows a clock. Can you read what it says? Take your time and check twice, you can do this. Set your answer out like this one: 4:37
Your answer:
10:36
